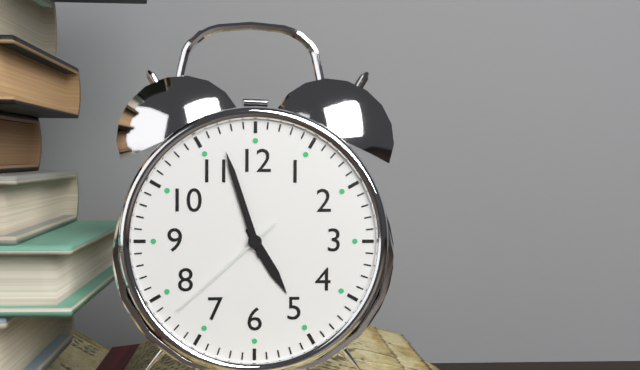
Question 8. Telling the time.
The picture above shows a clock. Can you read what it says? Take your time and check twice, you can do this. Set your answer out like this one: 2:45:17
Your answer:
4:57:38
